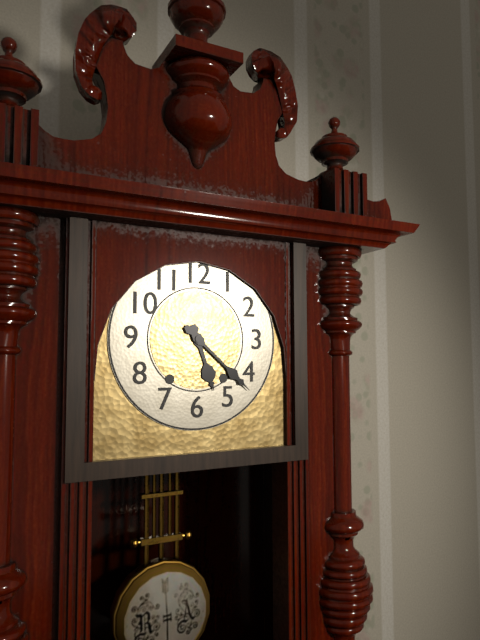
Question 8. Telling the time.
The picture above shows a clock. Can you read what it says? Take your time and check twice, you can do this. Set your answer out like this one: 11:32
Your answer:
5:22
